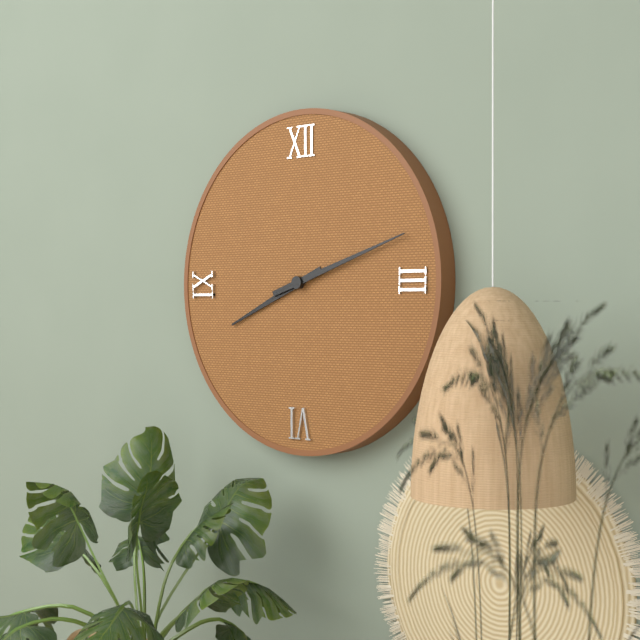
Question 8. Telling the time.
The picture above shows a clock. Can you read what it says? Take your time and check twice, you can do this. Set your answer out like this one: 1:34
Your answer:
8:12
